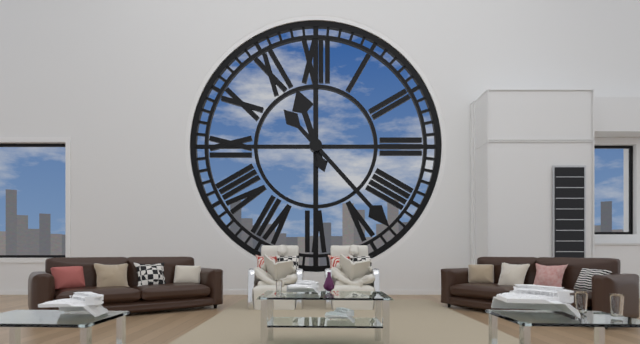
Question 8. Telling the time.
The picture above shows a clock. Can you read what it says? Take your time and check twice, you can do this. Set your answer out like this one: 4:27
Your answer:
11:23
